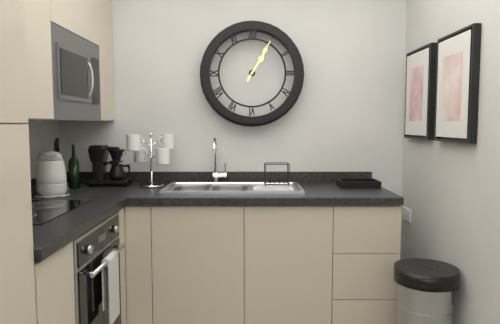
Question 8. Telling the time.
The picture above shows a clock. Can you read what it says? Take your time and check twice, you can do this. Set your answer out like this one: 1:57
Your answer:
1:05
